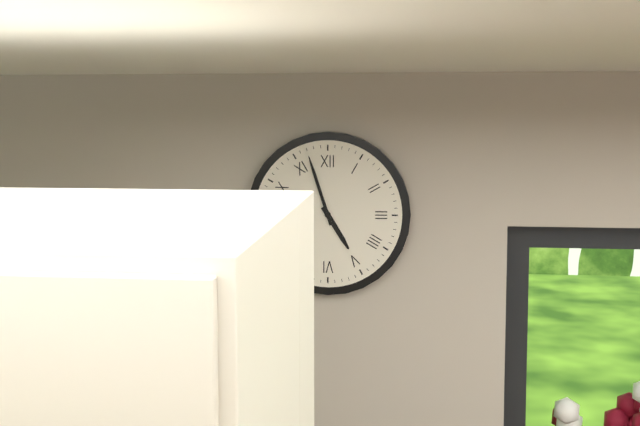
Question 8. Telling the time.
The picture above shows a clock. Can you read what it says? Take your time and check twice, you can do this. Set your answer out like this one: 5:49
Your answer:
4:57
